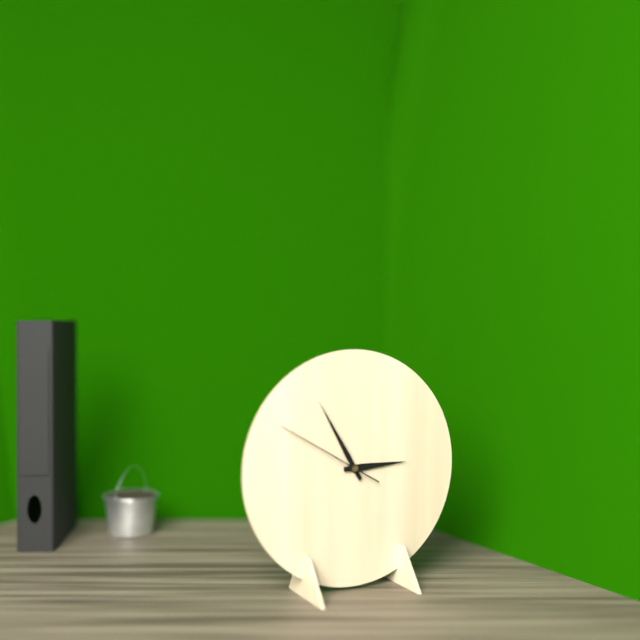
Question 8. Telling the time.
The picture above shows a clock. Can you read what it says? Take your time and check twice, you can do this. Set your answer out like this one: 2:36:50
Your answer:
2:55:50
